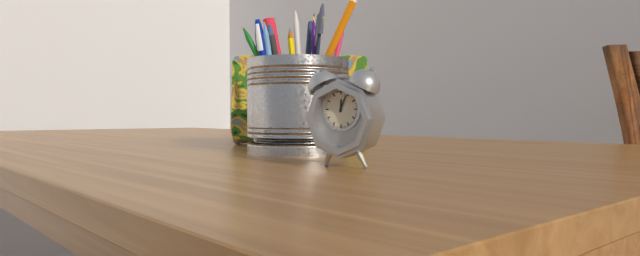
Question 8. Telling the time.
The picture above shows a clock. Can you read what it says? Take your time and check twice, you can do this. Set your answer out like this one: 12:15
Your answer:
12:04
